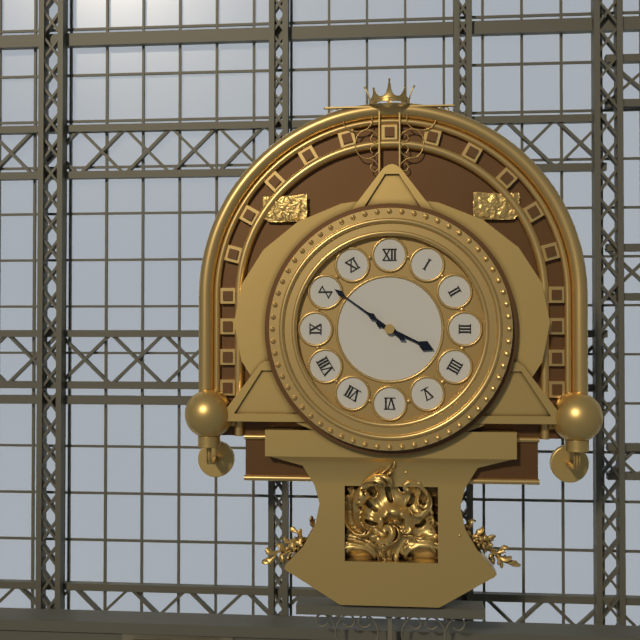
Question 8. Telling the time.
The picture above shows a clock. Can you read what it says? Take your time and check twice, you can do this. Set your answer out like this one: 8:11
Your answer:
3:51
